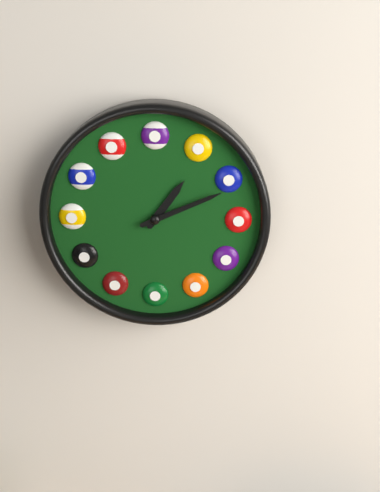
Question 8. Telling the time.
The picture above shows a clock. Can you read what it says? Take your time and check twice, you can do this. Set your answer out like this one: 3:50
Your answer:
1:11
